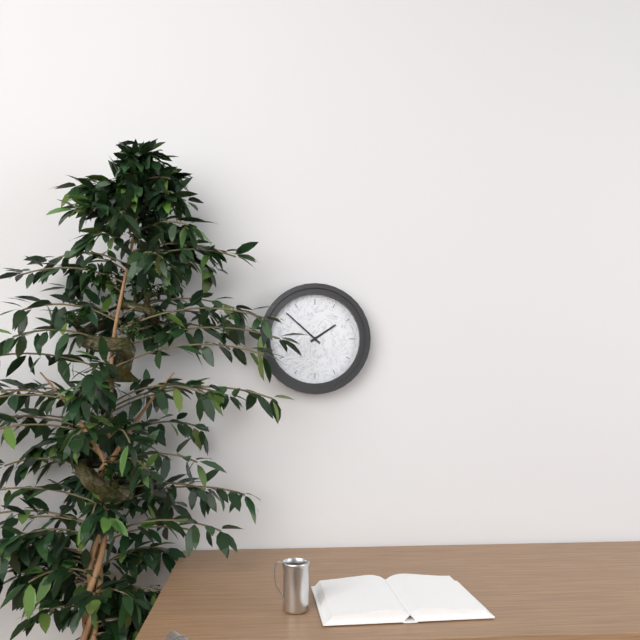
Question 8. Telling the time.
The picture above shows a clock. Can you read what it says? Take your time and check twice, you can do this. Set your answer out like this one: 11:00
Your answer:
1:52
